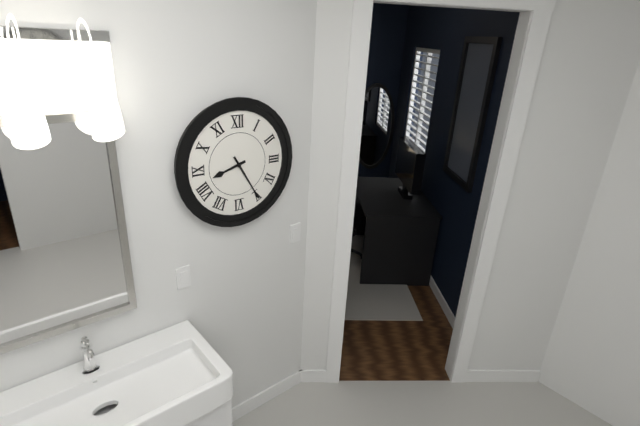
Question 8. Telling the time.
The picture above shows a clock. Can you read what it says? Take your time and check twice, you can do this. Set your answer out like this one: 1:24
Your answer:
8:25
